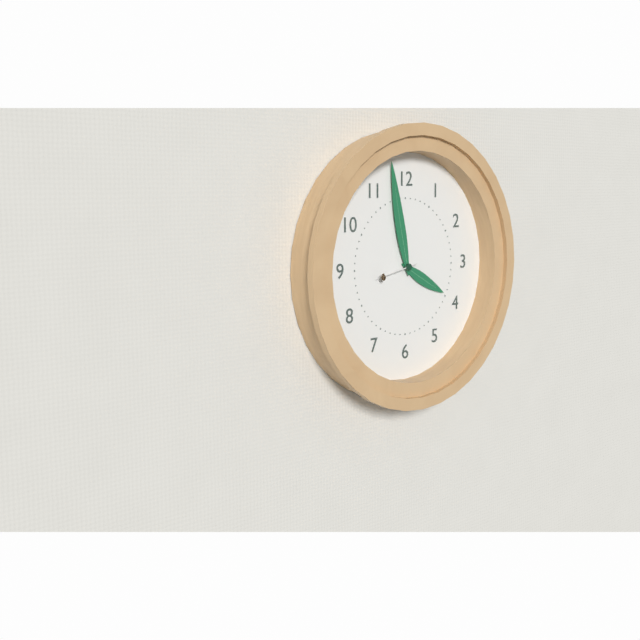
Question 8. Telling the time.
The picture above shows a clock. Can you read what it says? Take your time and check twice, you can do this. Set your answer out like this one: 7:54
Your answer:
3:58
